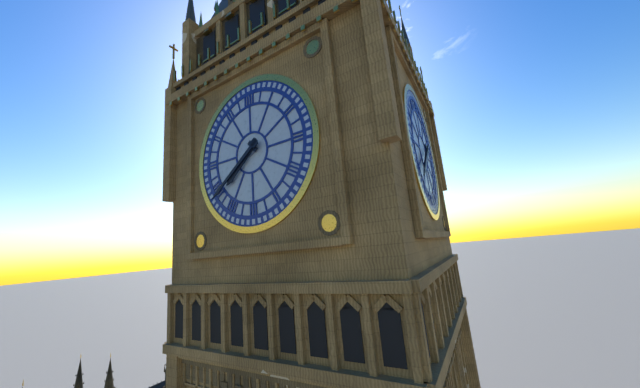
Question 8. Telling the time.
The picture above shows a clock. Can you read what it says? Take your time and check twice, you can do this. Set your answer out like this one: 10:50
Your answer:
7:39
